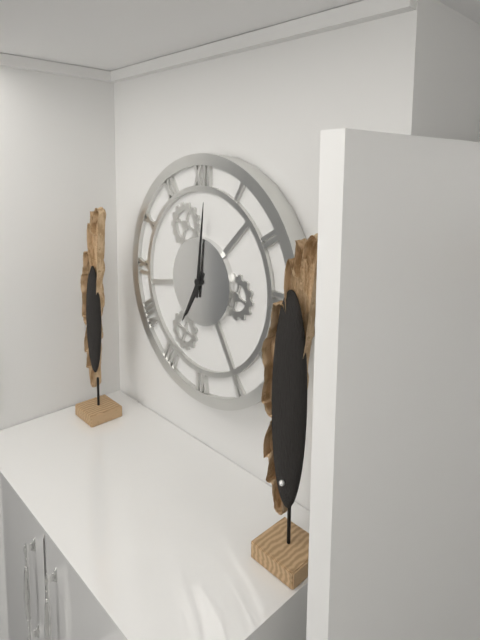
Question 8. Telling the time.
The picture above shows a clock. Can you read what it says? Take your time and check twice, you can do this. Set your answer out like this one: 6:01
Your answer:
7:01
